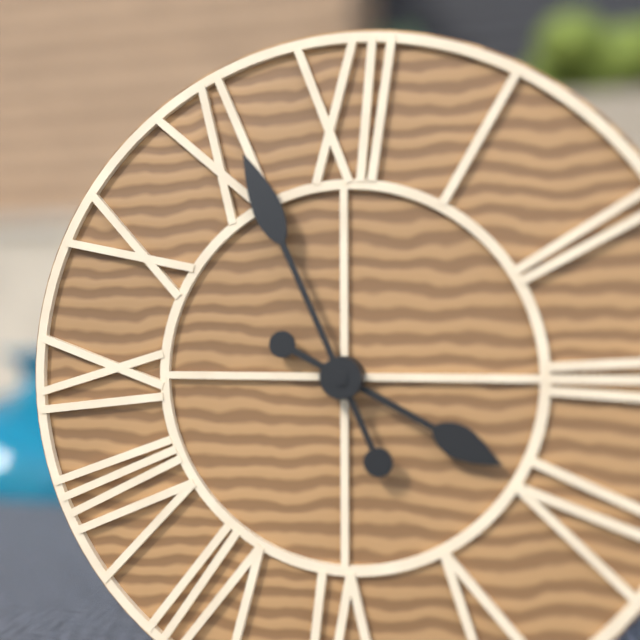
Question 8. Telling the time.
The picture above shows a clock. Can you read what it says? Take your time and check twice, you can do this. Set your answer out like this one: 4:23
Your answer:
3:56
